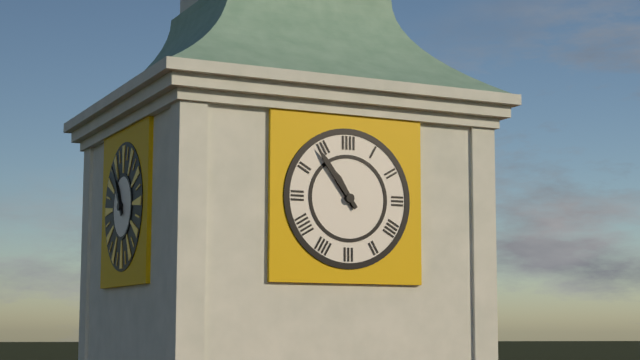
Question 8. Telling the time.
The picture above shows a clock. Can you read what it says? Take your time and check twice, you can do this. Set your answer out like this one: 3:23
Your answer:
10:54
